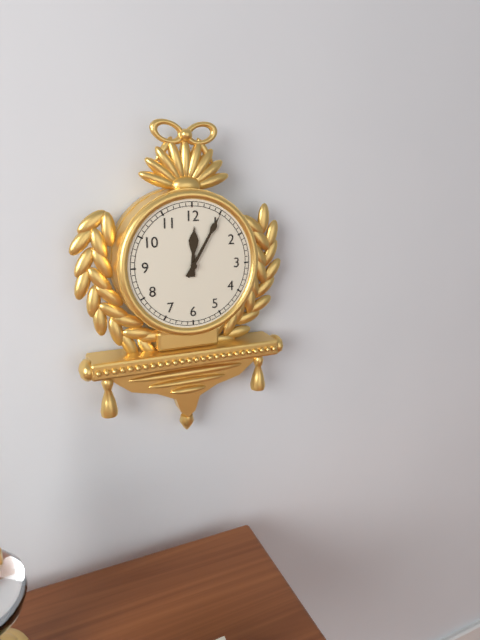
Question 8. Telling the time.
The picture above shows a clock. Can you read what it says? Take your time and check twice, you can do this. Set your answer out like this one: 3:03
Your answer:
12:05
